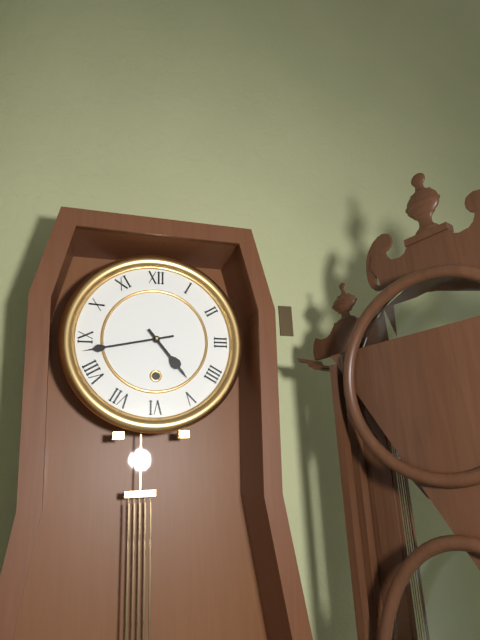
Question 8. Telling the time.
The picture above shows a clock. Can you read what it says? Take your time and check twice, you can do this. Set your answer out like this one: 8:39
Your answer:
4:43
